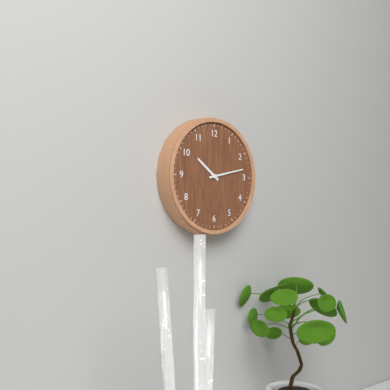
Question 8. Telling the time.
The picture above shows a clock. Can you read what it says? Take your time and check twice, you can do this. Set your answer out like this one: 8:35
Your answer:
10:13
